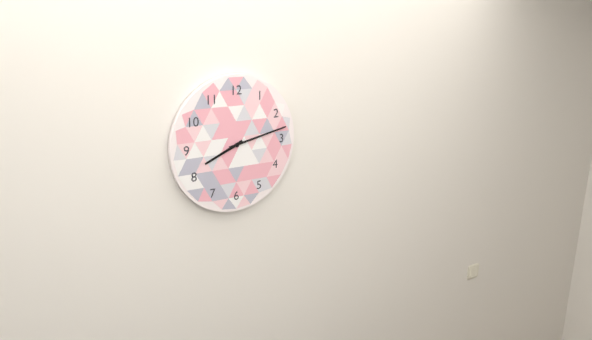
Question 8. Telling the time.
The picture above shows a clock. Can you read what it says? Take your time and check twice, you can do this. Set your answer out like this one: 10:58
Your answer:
8:13
